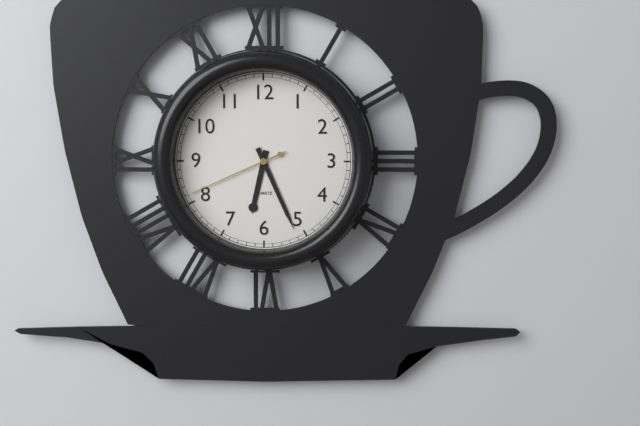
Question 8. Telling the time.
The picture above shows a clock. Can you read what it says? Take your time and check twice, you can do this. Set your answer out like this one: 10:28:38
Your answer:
6:26:41
